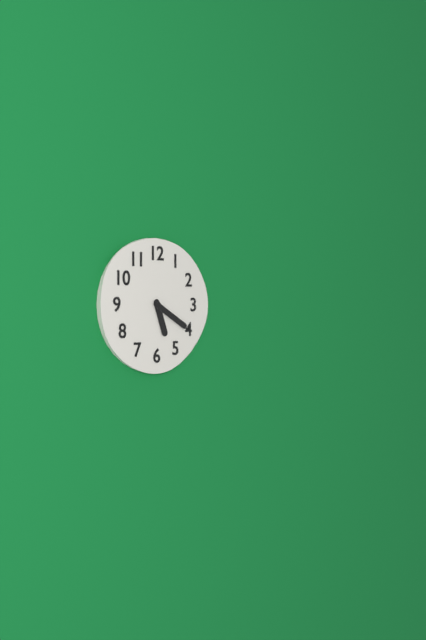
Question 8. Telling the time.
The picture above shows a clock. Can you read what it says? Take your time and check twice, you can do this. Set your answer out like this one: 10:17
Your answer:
5:20
